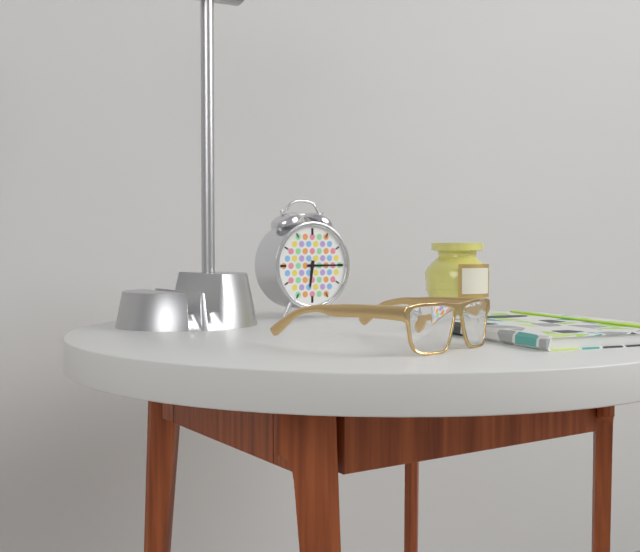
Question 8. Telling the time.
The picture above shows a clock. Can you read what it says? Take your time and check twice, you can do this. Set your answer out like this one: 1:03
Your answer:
6:15
